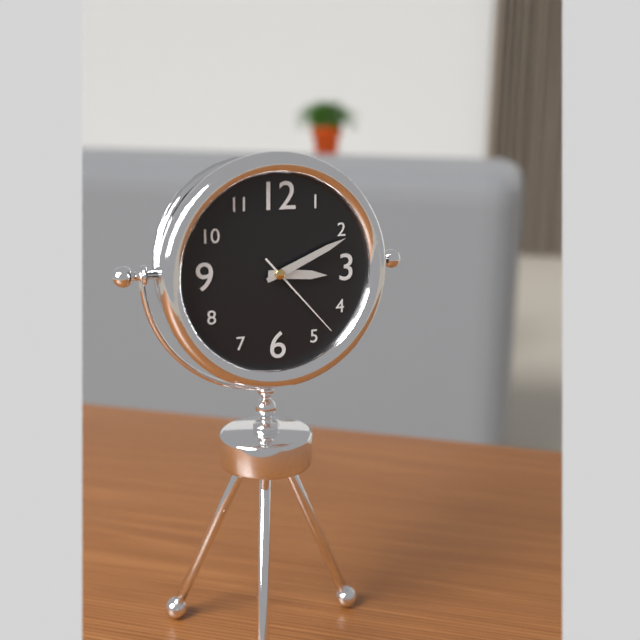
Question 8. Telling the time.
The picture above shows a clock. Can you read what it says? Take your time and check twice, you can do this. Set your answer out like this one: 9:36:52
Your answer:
3:11:23
